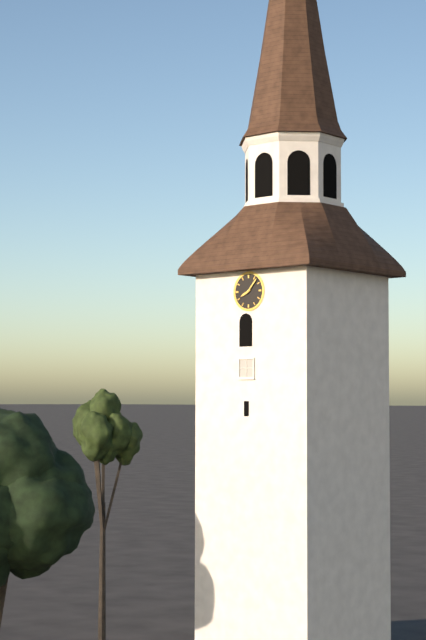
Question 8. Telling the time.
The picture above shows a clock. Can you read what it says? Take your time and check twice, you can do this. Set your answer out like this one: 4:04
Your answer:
8:07
